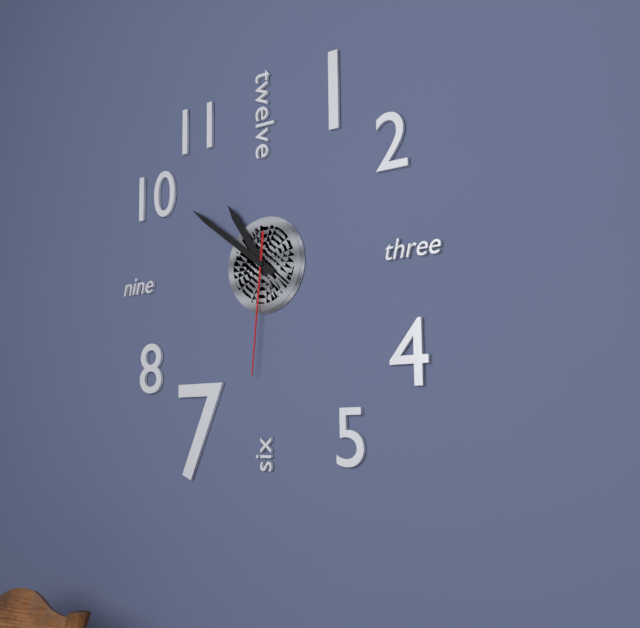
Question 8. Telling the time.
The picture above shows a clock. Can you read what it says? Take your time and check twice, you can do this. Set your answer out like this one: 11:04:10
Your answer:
10:51:31
